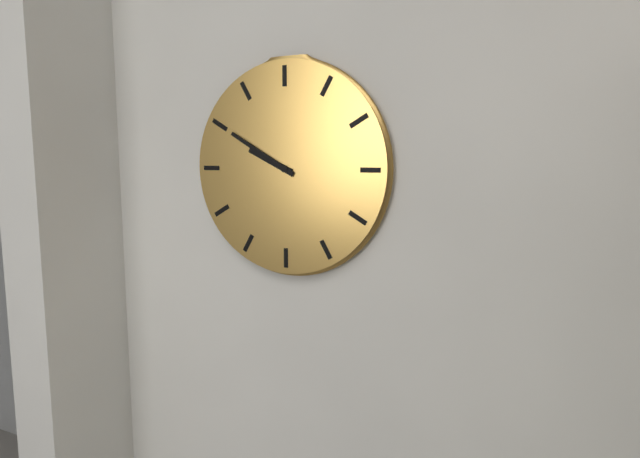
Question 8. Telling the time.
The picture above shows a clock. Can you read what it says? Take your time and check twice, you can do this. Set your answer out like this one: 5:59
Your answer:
9:50
